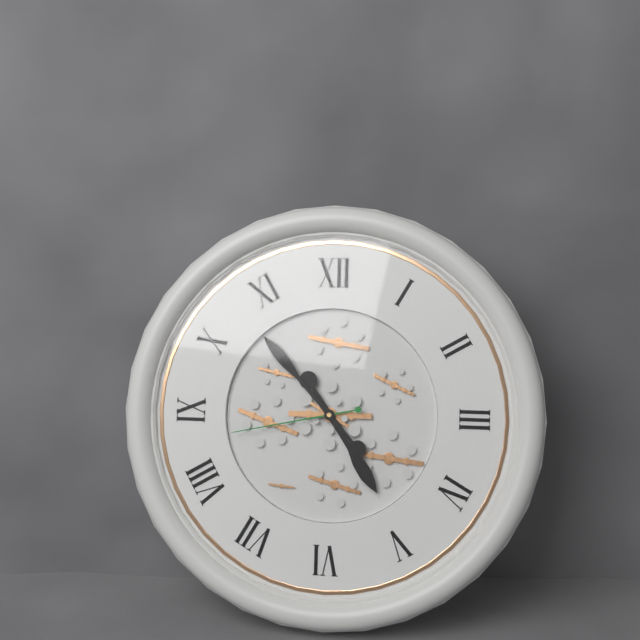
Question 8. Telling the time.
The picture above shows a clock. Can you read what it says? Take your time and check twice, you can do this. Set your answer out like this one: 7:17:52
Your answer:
4:53:43
